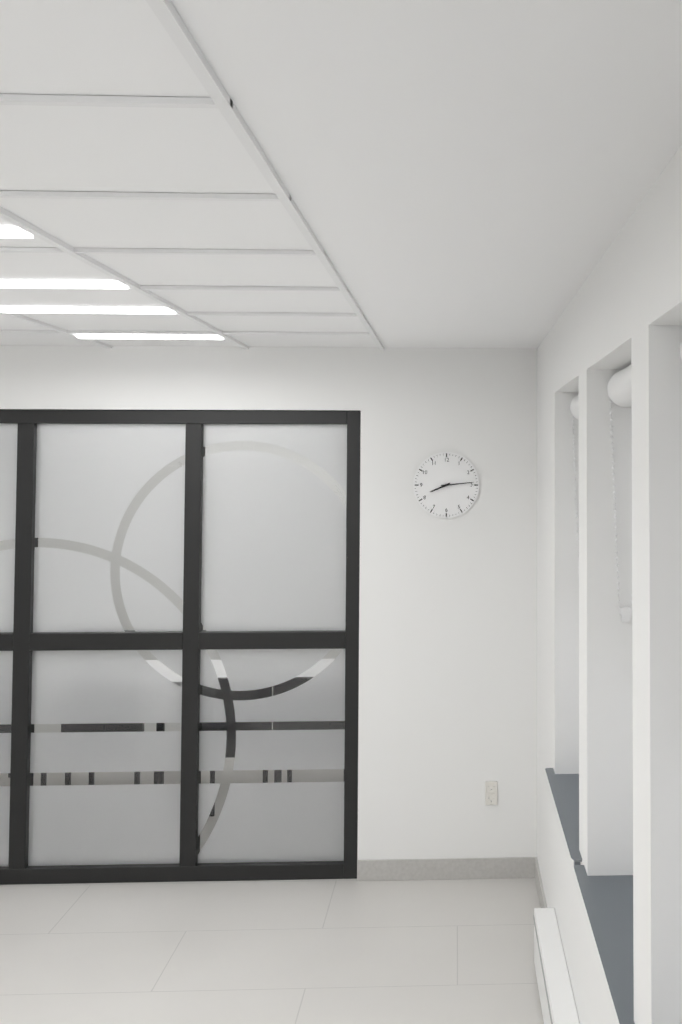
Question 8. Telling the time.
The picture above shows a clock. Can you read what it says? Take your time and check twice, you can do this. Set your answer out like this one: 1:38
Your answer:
8:14
